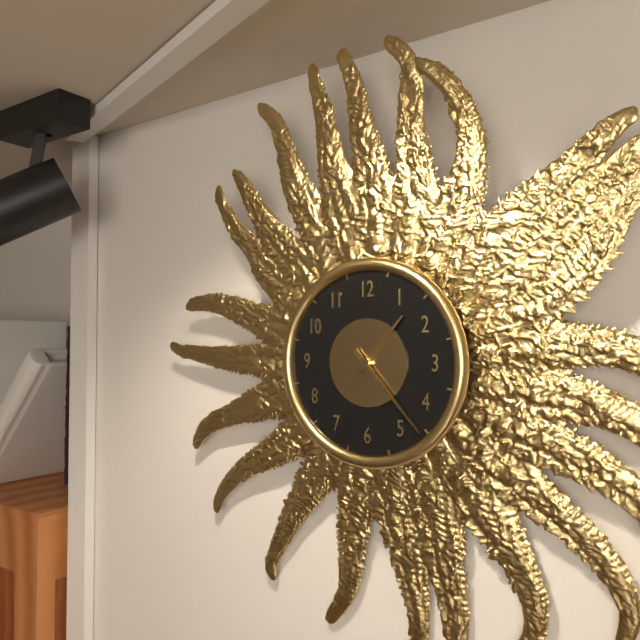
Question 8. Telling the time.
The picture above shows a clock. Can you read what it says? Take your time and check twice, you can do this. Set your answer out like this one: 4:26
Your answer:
1:23
